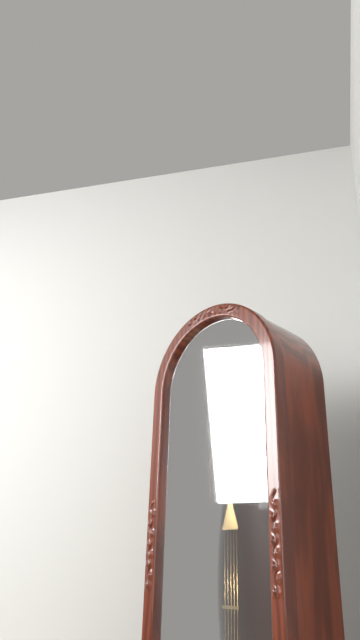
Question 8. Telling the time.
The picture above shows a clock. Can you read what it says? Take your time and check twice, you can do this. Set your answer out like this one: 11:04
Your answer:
6:05
